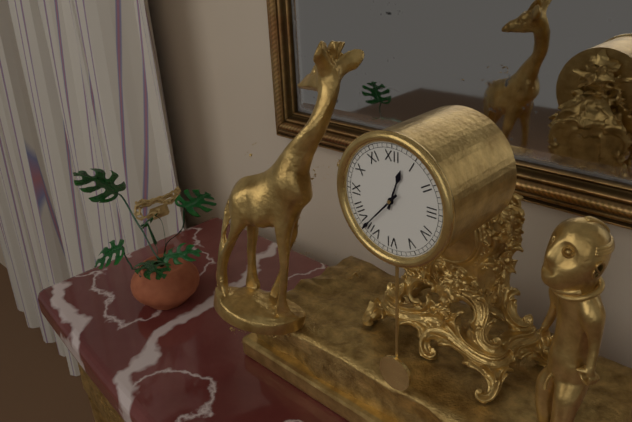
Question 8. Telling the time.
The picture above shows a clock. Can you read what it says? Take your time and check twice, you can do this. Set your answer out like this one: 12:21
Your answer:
12:37
